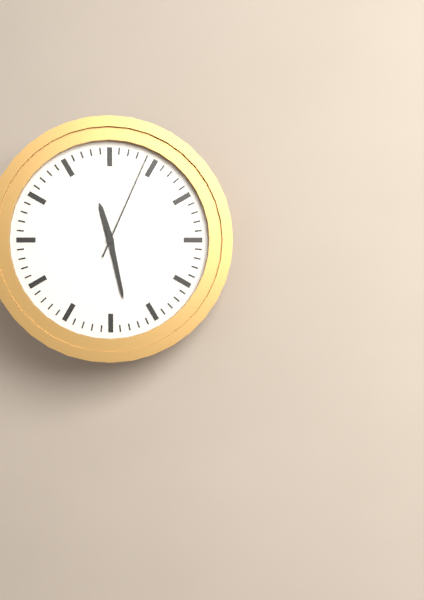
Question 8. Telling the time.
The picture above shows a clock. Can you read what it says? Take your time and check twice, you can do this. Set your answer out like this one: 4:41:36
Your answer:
11:28:04
